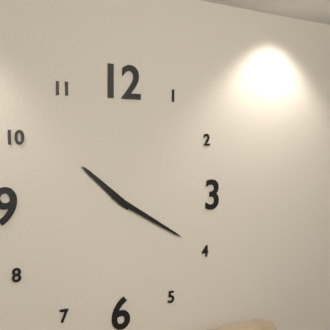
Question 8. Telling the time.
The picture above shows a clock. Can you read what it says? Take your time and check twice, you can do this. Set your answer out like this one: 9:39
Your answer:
10:20
